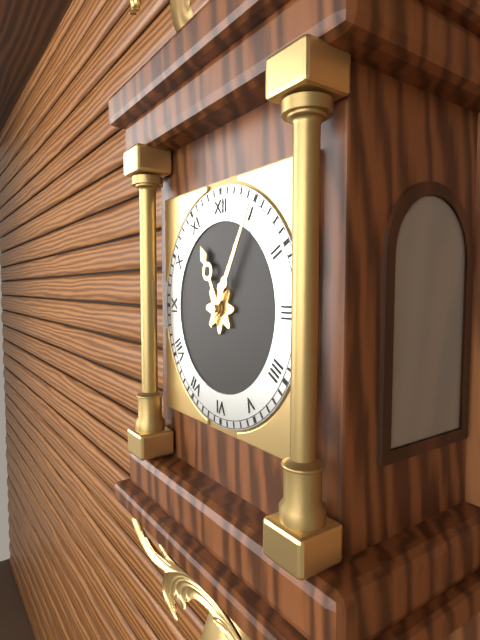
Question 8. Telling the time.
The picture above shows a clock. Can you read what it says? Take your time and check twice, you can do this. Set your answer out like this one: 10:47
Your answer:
11:05
